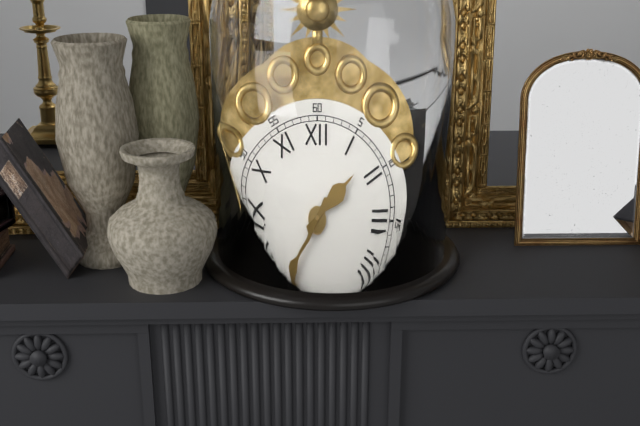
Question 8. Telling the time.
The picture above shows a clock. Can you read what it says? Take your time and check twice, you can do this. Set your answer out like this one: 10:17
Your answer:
1:36
